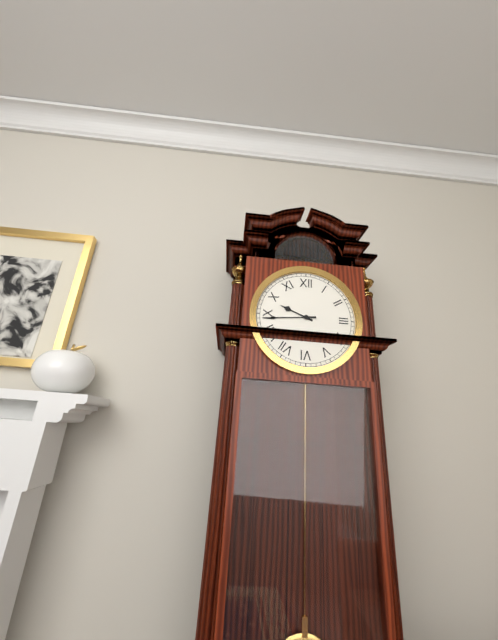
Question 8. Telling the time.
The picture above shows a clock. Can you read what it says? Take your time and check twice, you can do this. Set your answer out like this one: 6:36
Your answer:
9:44
